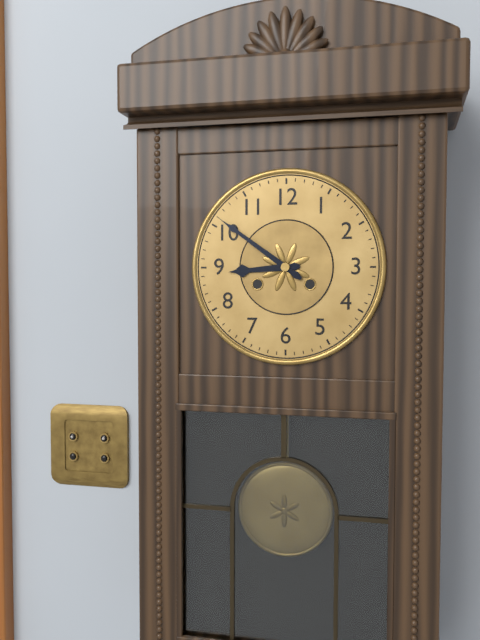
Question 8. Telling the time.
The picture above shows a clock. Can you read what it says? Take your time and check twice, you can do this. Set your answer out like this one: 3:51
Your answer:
8:51
